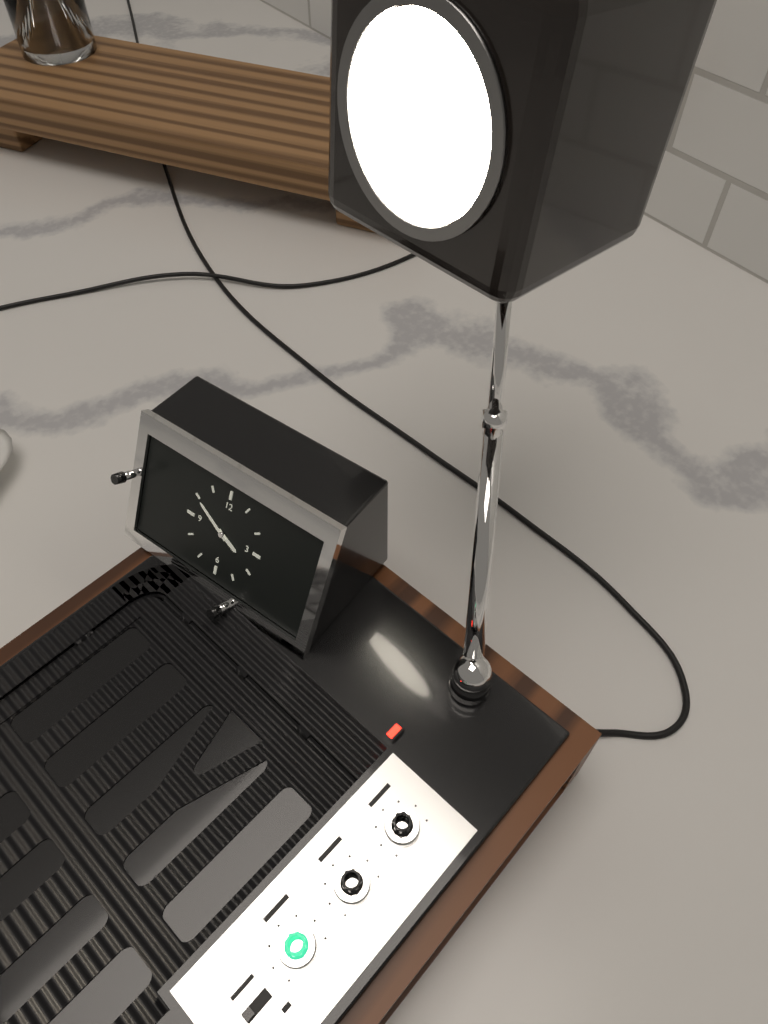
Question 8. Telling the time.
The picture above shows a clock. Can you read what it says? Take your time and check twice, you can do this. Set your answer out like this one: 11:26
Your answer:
3:50
